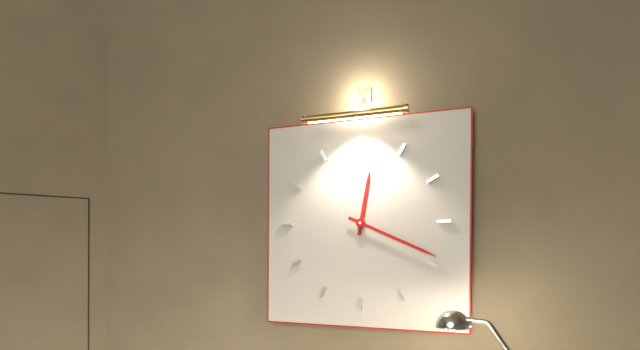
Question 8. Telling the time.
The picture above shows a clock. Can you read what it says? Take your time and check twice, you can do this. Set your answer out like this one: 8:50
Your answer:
12:19
